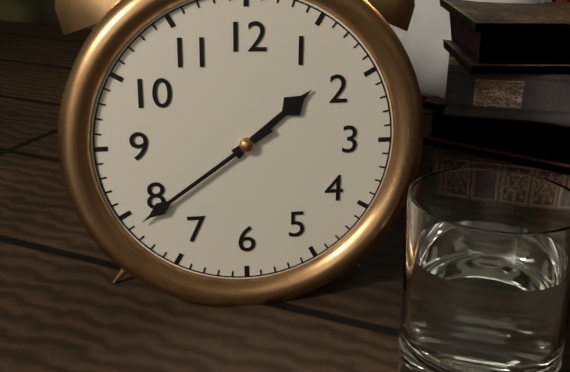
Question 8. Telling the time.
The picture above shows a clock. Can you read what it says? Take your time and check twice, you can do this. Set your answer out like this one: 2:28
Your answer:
1:39
